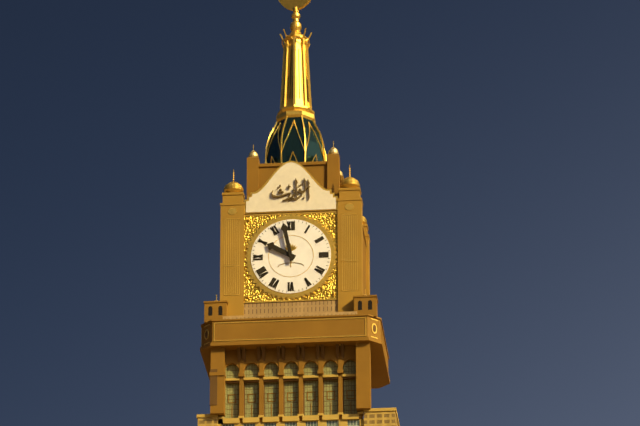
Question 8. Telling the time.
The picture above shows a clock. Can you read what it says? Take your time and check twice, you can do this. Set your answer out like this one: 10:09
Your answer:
9:58
